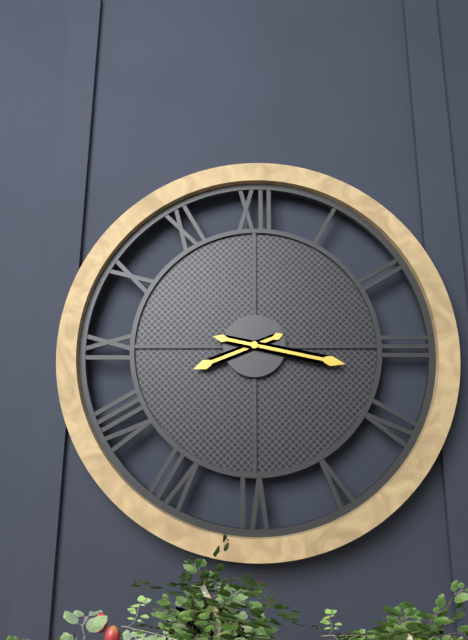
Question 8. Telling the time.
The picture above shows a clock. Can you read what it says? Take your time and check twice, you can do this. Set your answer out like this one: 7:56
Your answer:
8:17
